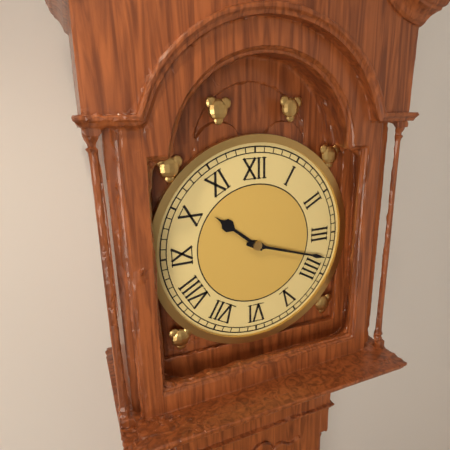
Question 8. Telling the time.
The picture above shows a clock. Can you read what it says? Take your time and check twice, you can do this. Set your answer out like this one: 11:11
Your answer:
10:18
